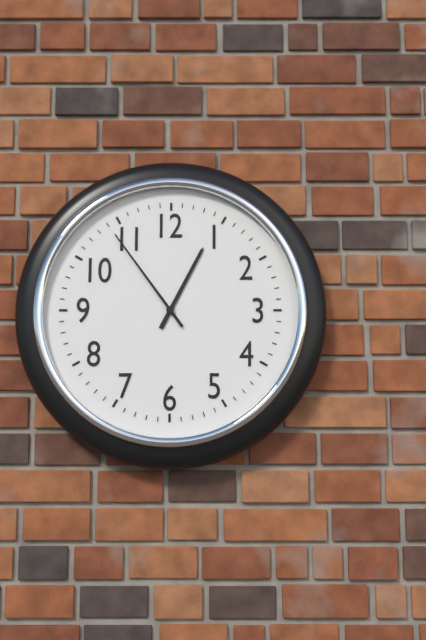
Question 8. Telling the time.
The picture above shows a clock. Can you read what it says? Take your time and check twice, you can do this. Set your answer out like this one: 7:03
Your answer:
12:54
